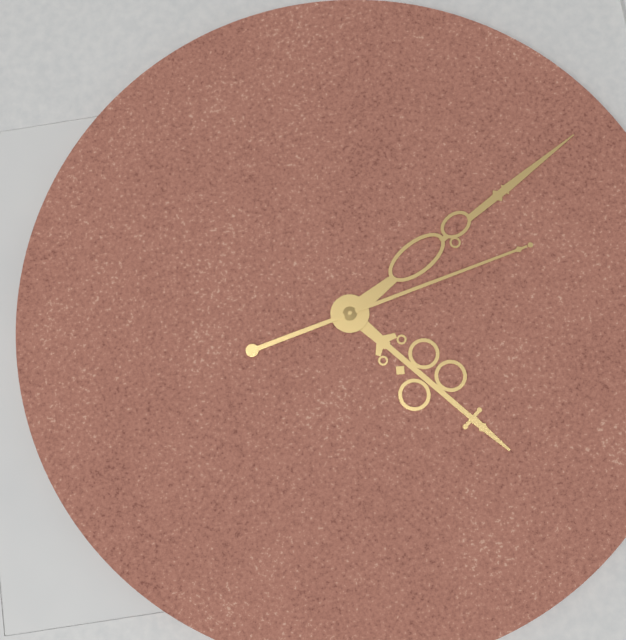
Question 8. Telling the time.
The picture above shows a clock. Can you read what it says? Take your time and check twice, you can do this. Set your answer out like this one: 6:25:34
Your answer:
10:40:43
